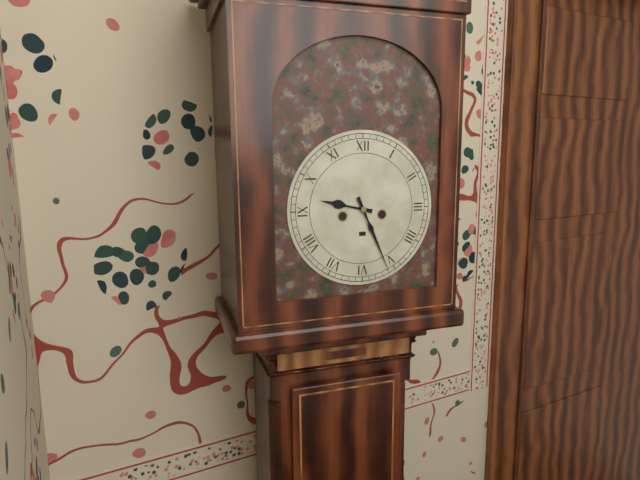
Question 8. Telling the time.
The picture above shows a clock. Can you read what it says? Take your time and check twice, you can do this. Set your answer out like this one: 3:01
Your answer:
9:26
